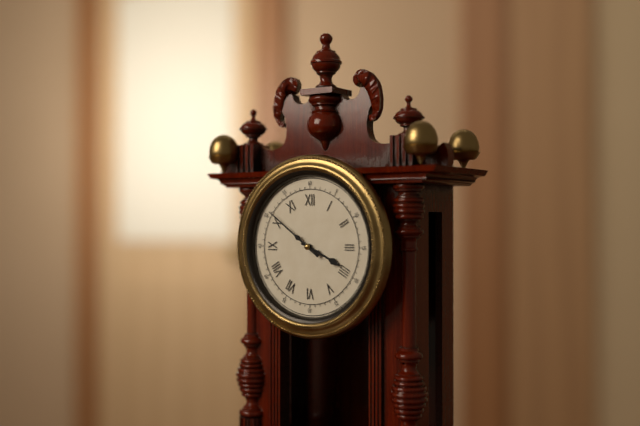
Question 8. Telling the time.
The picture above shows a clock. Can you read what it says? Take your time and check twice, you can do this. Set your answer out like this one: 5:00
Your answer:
3:51
